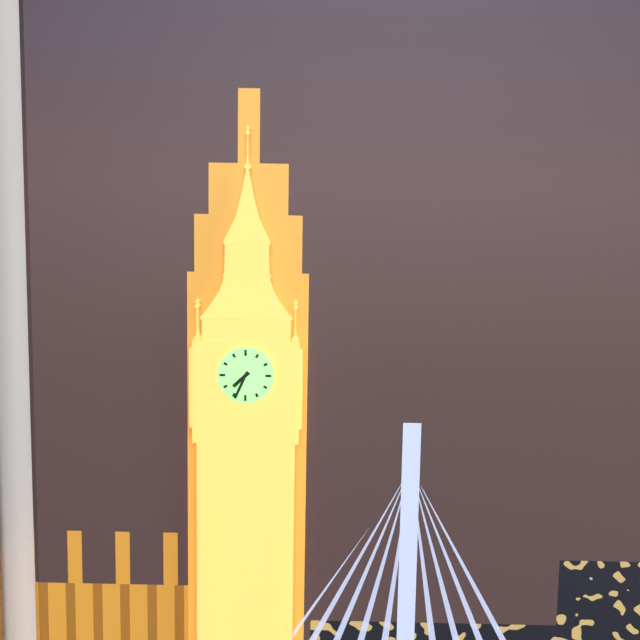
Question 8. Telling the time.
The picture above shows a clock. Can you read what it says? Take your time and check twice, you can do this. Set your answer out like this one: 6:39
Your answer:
7:34
